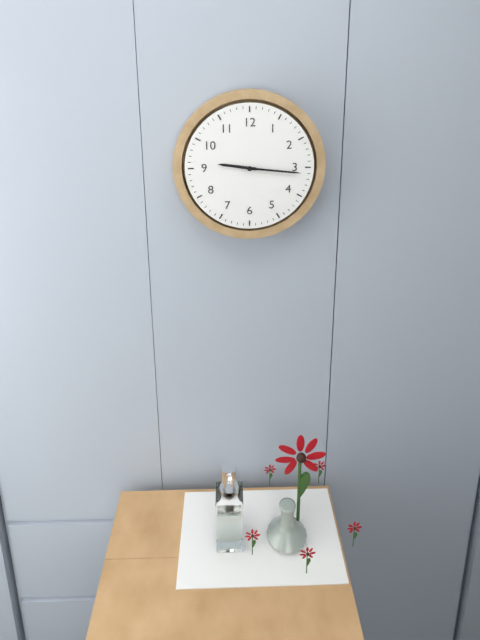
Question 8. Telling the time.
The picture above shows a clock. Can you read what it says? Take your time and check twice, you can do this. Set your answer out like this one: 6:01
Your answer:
9:16
